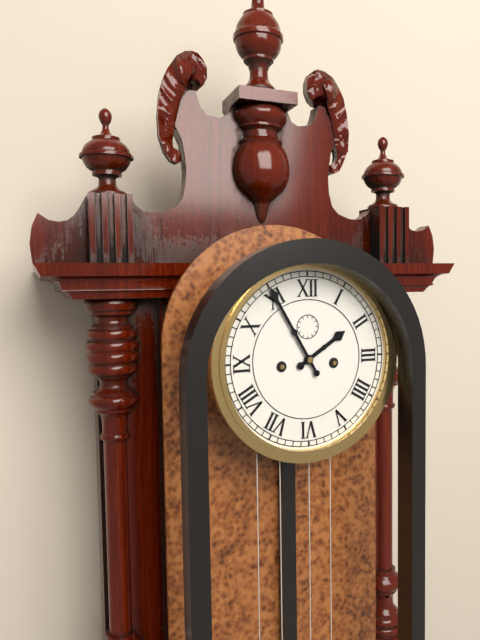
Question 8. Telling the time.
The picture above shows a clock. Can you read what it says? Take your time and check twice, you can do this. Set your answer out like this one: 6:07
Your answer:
1:55
